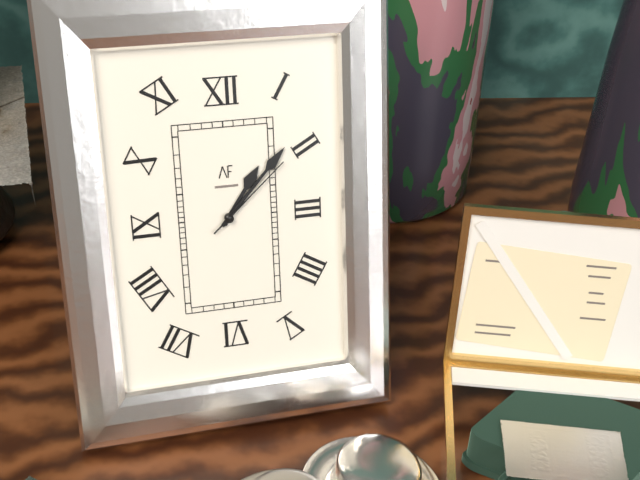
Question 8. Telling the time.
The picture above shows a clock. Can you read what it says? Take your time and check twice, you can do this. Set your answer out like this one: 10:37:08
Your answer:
1:07:08
